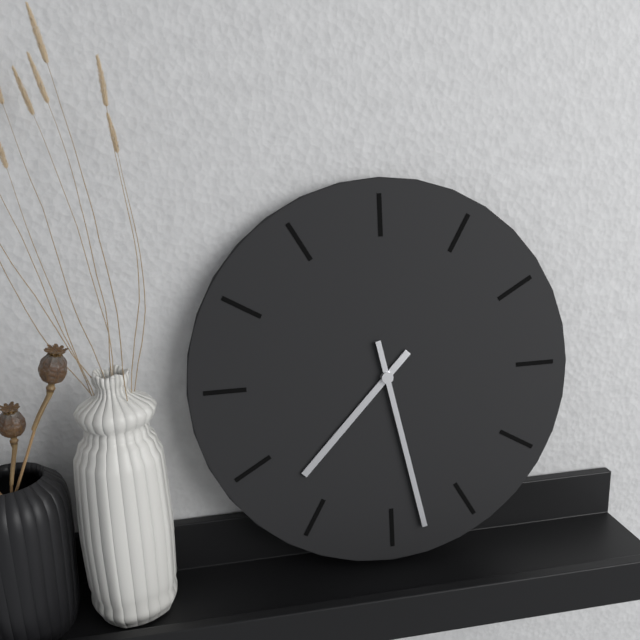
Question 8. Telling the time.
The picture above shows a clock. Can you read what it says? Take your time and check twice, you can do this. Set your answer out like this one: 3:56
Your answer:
7:28
